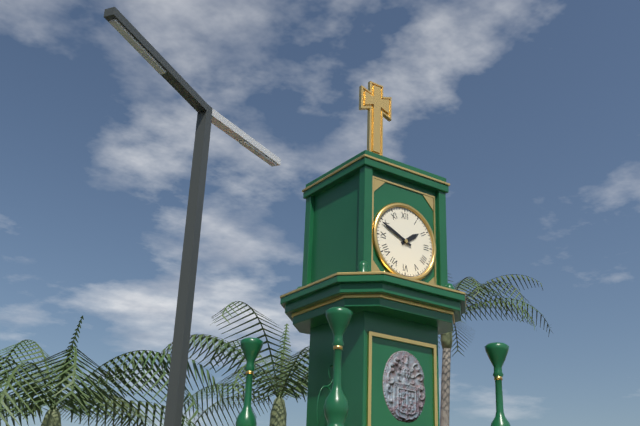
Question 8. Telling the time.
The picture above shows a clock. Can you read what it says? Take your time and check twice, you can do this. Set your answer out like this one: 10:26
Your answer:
1:49
